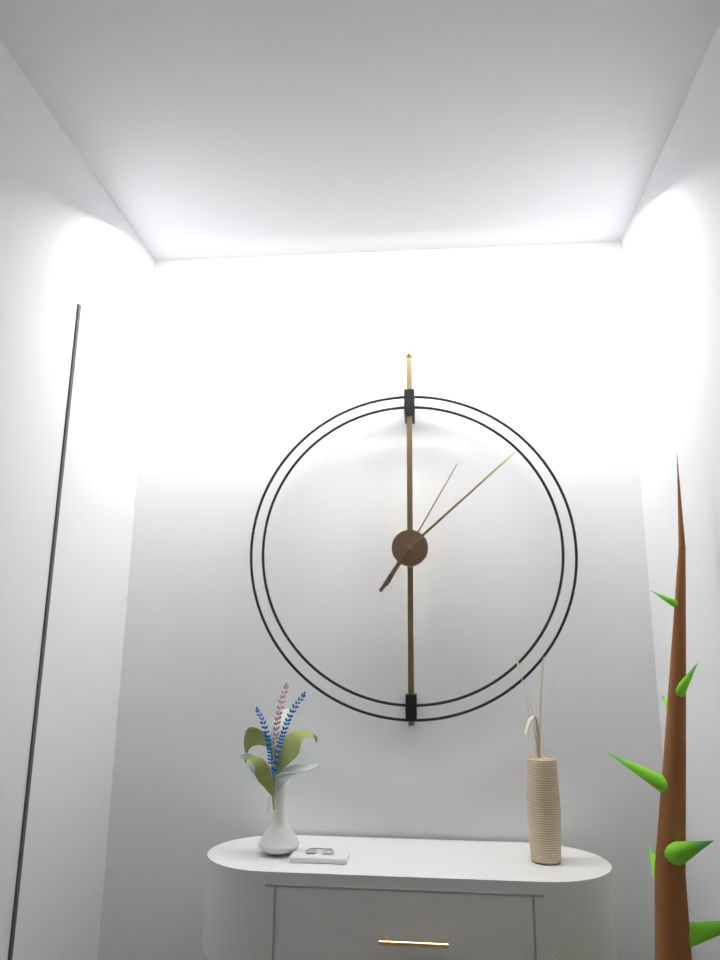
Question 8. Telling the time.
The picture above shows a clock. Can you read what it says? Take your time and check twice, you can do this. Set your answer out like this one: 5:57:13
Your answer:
7:08:05
